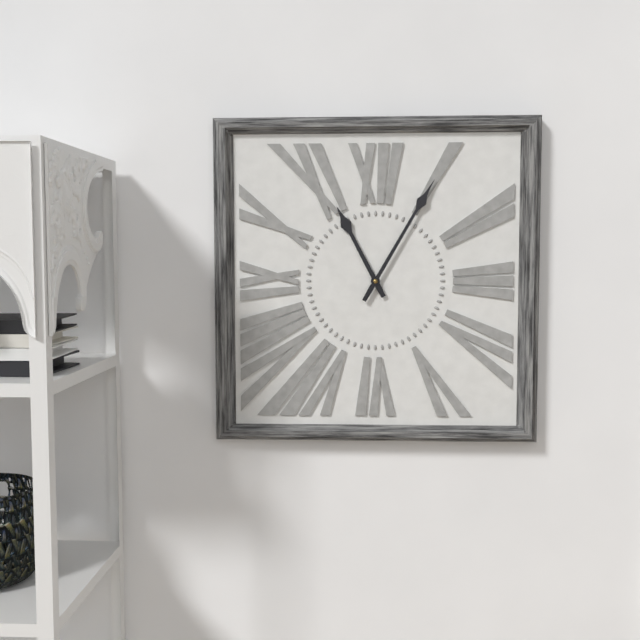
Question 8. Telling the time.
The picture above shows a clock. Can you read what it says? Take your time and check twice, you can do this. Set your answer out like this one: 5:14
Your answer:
11:05
